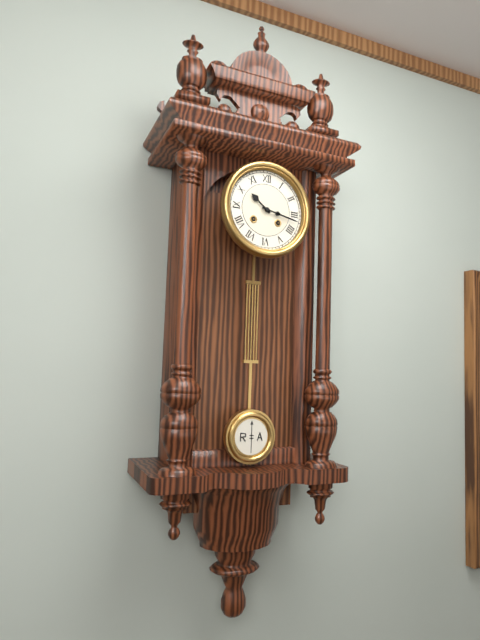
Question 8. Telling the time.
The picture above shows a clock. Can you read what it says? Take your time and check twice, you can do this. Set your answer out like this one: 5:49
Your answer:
10:17
